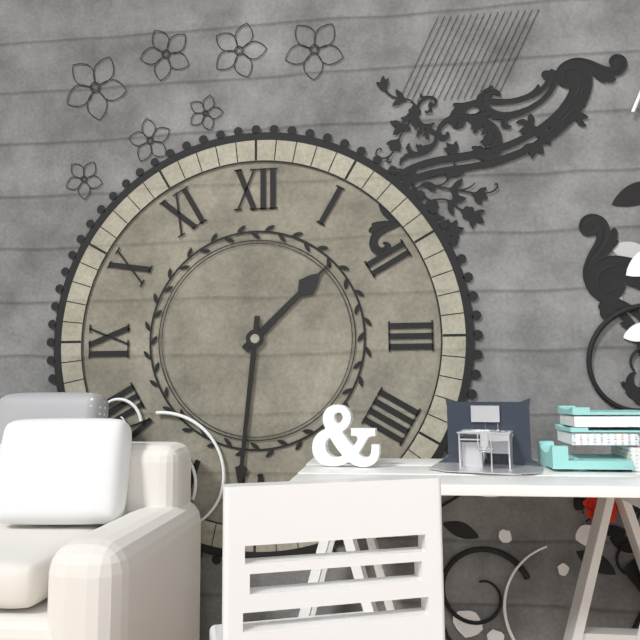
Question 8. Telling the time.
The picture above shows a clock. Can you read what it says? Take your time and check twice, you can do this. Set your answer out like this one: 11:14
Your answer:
1:31
